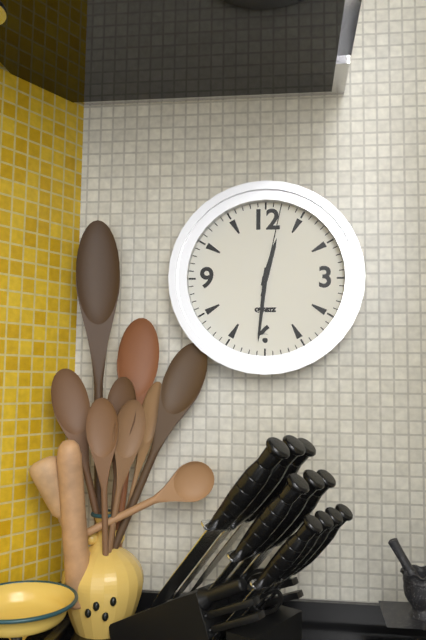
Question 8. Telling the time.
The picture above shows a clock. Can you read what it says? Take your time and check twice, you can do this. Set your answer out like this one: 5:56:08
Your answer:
12:31:02
